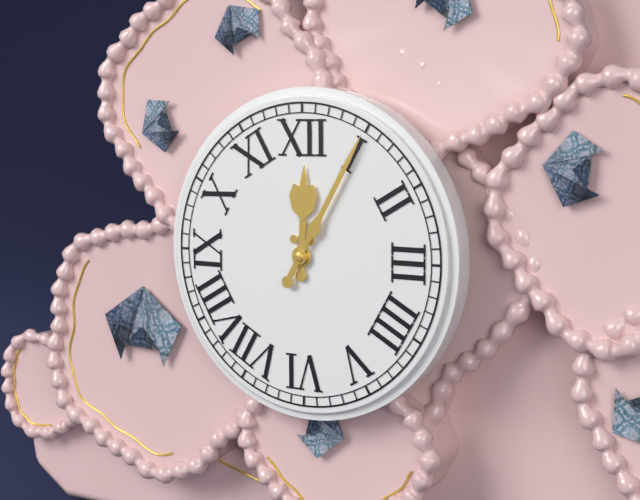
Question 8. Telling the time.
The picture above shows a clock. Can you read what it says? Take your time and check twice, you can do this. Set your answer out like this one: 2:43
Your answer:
12:05
